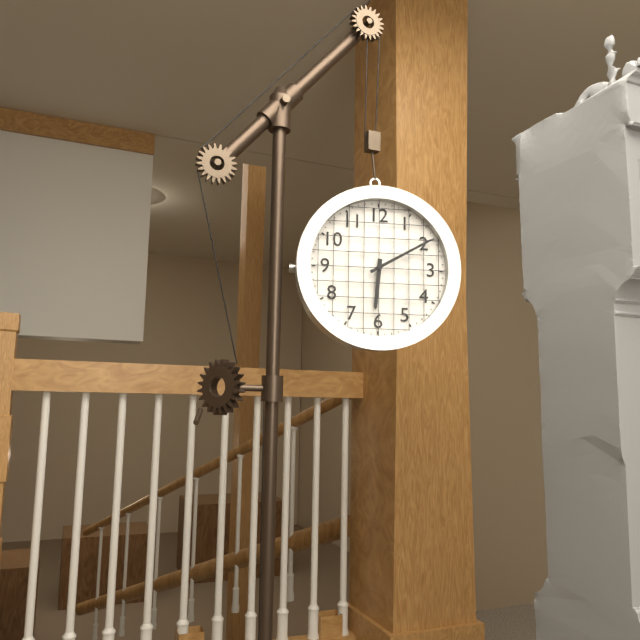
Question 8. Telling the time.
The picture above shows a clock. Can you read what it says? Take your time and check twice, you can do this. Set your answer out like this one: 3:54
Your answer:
6:10
